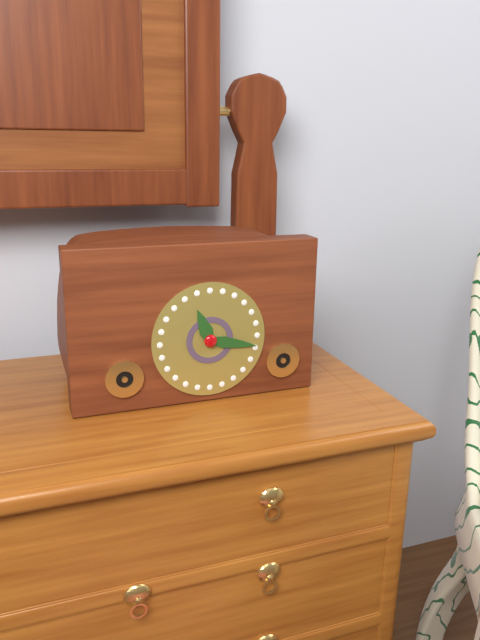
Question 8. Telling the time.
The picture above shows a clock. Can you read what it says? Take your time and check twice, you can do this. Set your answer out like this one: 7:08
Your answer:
11:17
